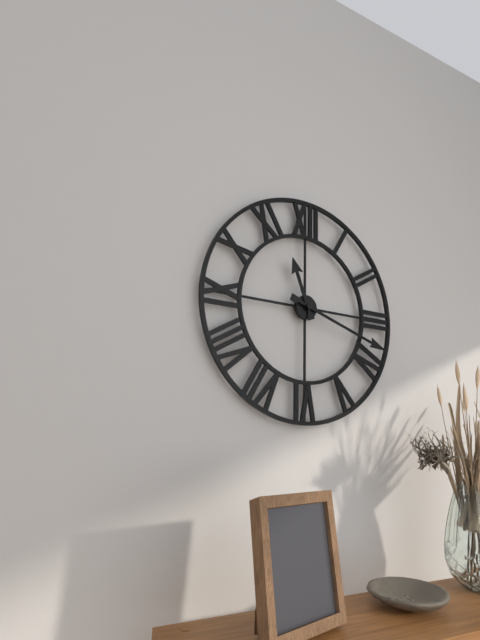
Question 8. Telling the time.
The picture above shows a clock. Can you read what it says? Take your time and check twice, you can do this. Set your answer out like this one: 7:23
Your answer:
11:18
